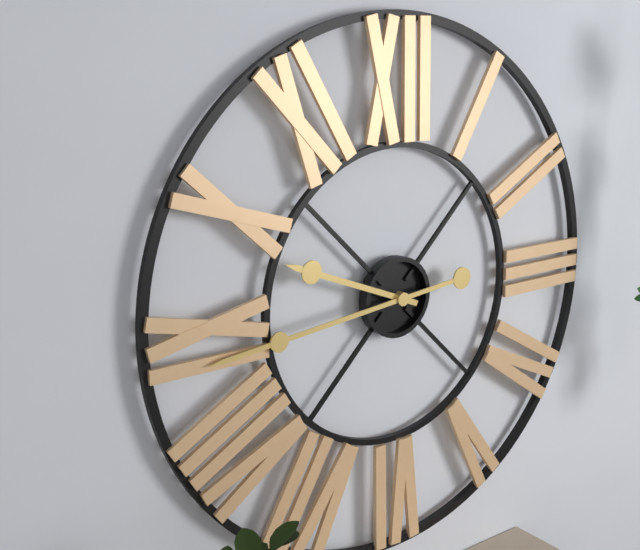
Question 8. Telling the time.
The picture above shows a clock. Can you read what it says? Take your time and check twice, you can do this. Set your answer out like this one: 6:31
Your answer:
9:44
